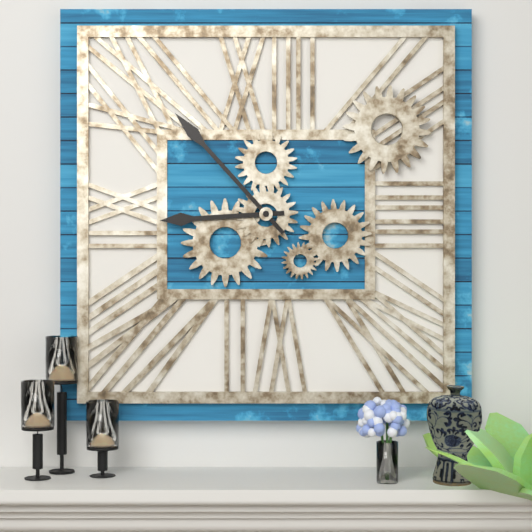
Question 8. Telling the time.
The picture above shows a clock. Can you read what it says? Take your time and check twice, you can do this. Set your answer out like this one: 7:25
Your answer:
8:53
